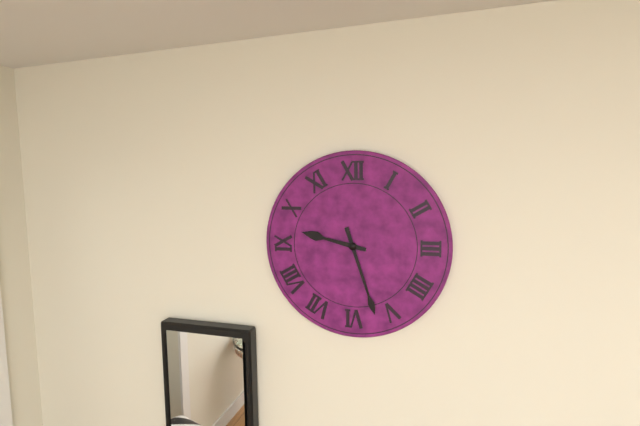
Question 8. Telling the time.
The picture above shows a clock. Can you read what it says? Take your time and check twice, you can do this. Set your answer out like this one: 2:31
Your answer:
9:27
